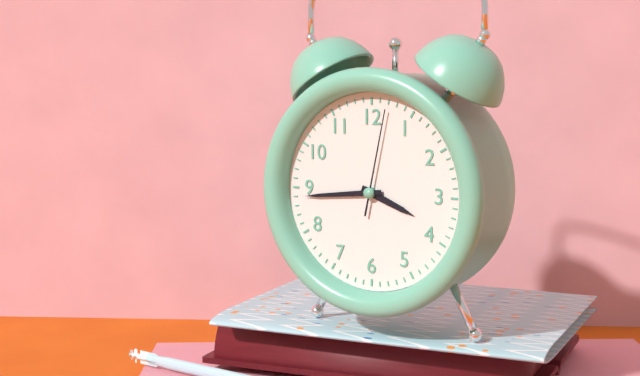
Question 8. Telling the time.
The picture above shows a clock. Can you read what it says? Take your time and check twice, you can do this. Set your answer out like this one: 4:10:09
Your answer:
3:44:02
